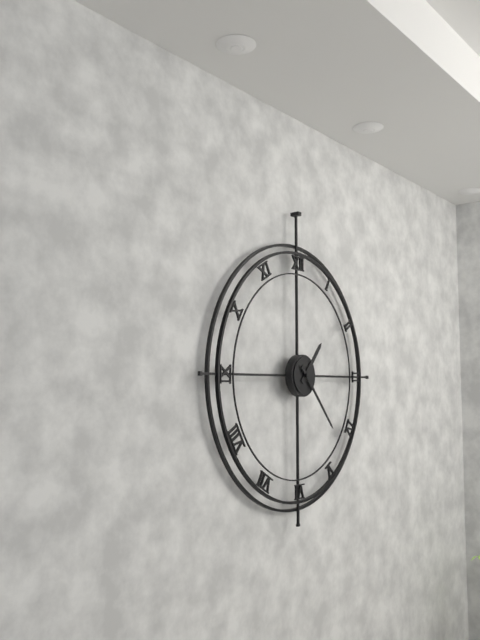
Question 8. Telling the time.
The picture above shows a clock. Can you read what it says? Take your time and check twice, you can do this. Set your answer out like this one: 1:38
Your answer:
1:23
